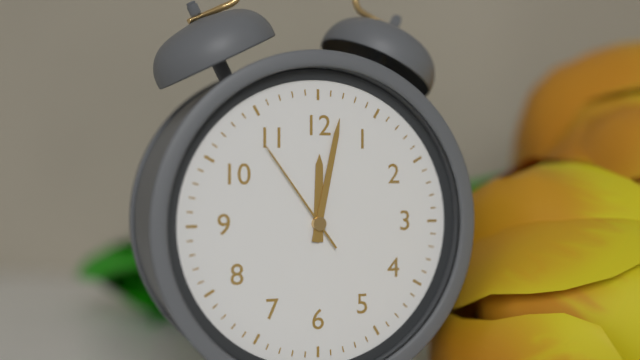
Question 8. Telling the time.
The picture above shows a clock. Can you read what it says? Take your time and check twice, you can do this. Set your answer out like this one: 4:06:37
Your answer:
12:02:54
